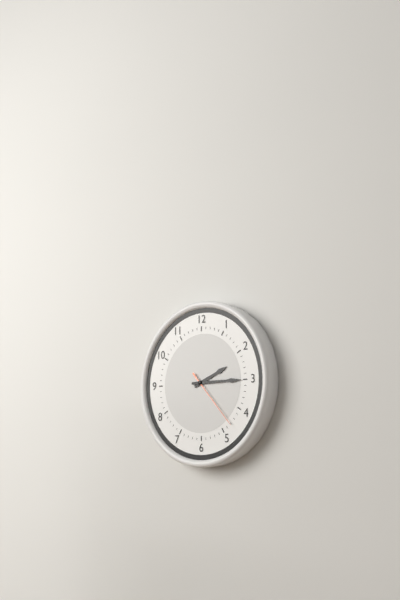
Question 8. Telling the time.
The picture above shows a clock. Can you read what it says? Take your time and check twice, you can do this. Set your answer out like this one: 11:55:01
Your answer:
2:15:23
